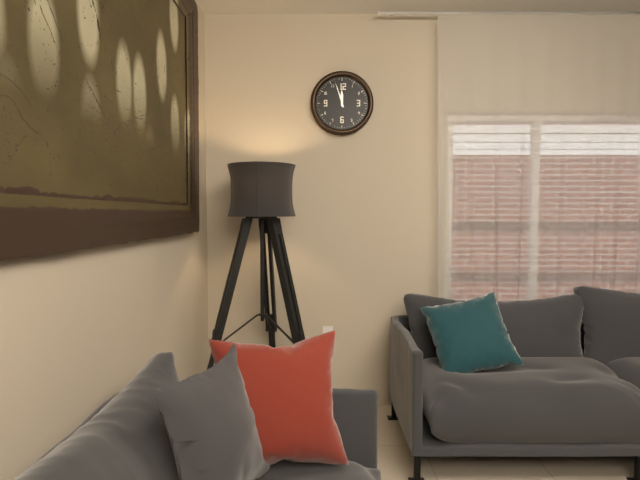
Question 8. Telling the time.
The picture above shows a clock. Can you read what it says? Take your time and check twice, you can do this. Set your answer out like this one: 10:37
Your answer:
11:57
